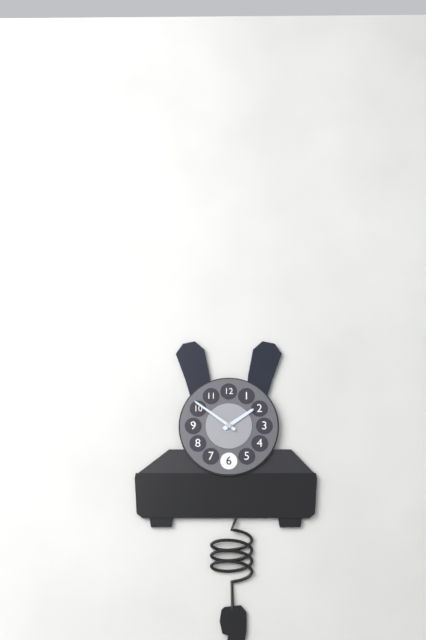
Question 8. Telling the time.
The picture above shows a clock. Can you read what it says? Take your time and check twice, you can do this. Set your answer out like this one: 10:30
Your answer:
1:51
